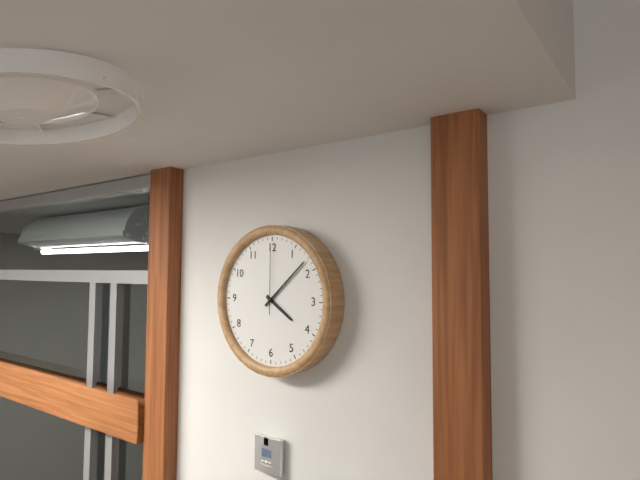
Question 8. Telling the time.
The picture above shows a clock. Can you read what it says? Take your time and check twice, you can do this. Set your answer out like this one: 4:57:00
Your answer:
4:08:00
